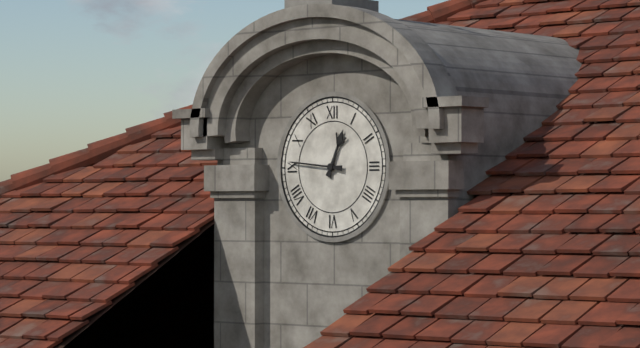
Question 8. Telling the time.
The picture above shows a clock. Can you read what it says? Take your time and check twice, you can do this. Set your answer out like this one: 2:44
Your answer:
12:46
